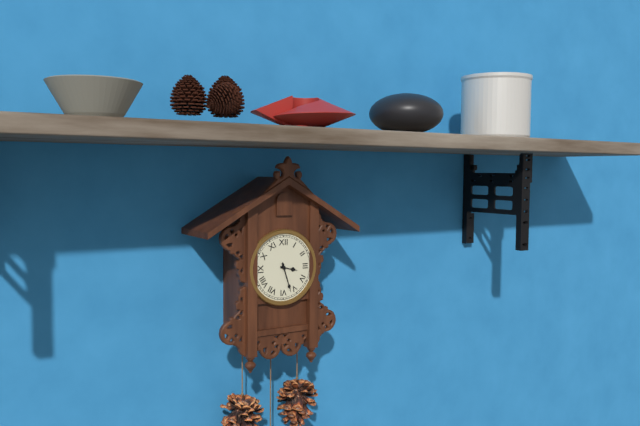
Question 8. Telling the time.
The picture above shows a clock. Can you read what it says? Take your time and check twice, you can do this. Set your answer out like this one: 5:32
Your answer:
3:27
